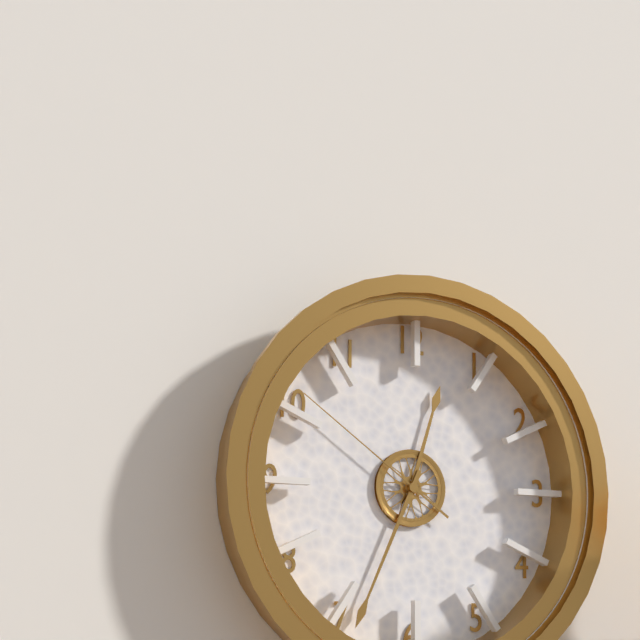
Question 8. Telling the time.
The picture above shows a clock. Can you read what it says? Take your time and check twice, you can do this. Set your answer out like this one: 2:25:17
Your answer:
12:34:51
